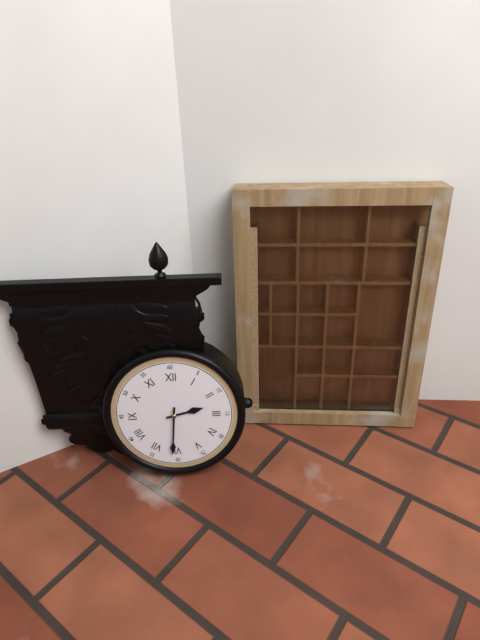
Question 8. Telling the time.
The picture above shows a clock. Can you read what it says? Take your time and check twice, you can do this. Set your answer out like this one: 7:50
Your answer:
2:31
